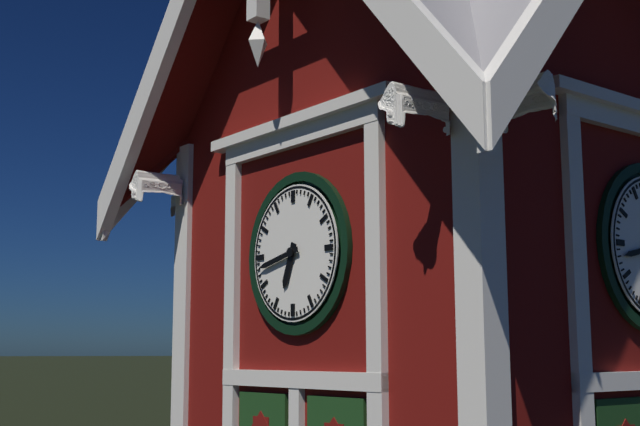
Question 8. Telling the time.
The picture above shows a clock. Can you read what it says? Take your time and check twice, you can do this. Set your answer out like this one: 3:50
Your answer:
6:43
